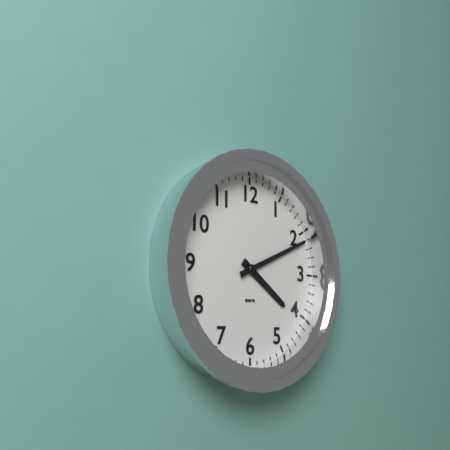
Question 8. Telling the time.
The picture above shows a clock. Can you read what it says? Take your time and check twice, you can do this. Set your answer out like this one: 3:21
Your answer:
4:11
